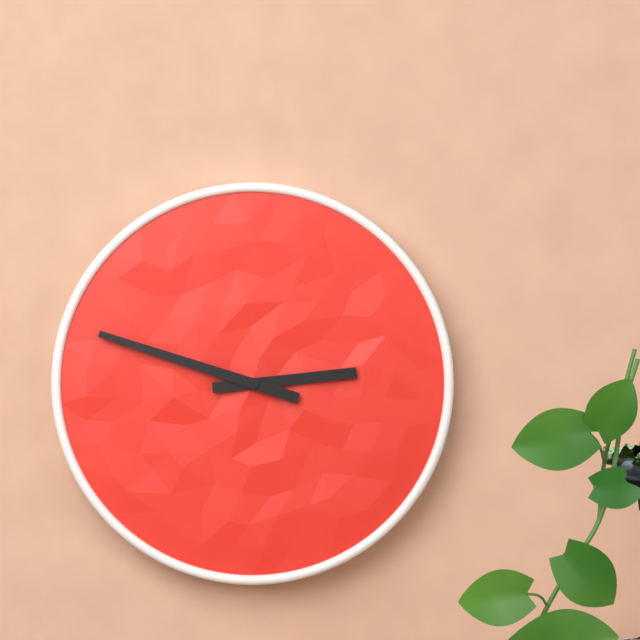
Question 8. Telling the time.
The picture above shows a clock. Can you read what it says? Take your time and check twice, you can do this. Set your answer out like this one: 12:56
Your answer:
2:48
